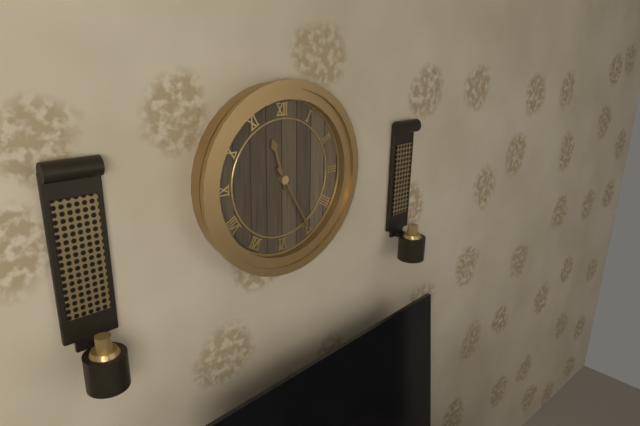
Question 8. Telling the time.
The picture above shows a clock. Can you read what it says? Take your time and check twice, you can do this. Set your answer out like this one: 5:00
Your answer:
11:25
